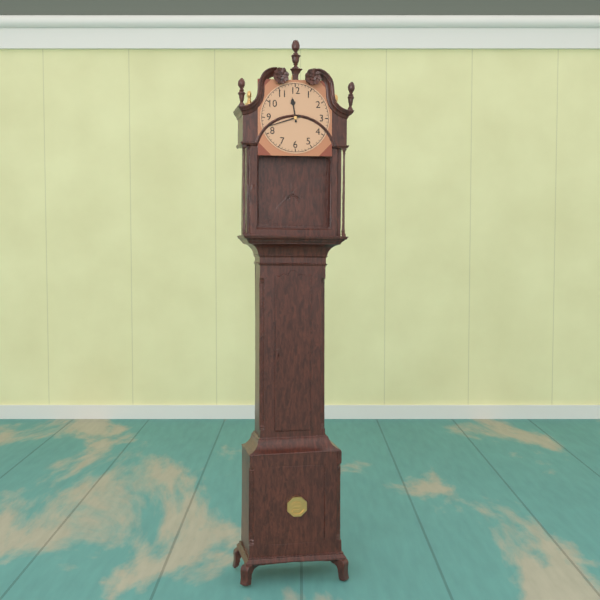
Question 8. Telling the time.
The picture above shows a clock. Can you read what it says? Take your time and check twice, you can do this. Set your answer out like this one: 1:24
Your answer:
11:42
